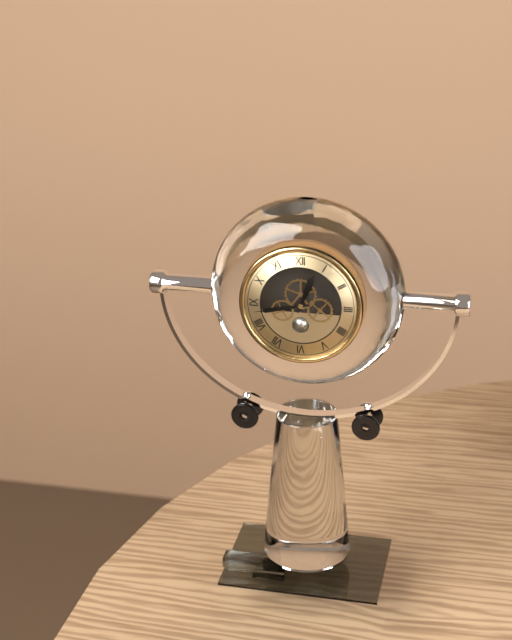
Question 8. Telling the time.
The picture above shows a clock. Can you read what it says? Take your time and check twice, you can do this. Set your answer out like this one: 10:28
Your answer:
12:43
